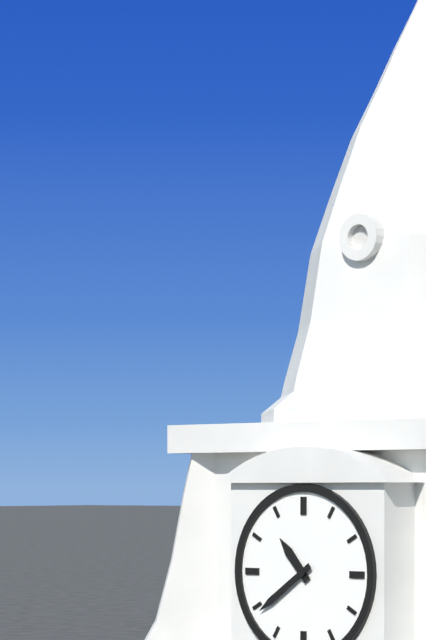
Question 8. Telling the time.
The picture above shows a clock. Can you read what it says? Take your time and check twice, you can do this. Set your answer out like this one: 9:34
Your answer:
10:39
